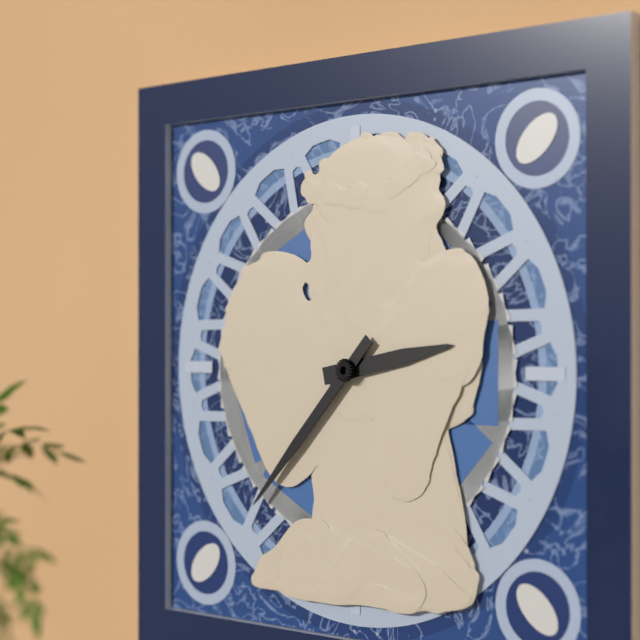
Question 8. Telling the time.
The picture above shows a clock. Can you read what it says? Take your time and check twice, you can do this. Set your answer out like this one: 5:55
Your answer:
2:37
